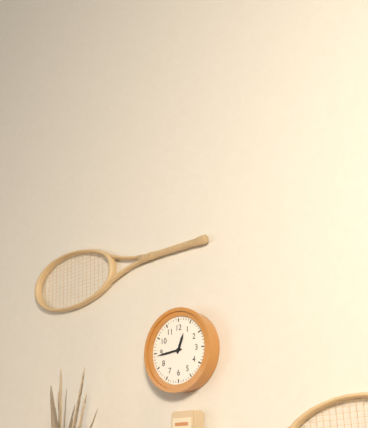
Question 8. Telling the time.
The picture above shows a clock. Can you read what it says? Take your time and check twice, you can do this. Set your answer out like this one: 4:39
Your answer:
12:44
